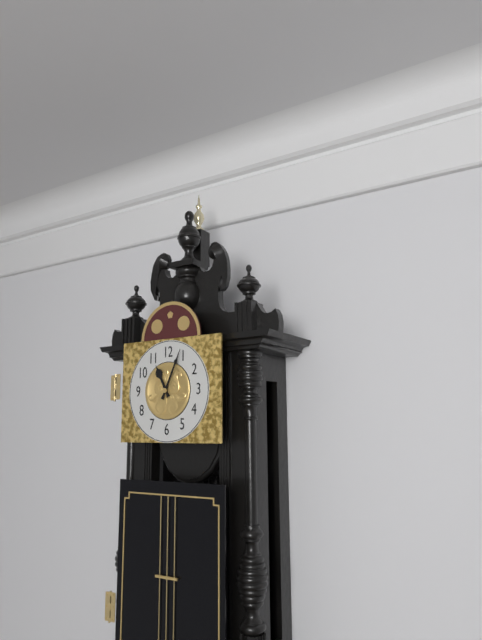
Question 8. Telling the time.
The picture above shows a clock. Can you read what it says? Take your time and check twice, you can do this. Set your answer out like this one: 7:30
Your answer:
11:04
